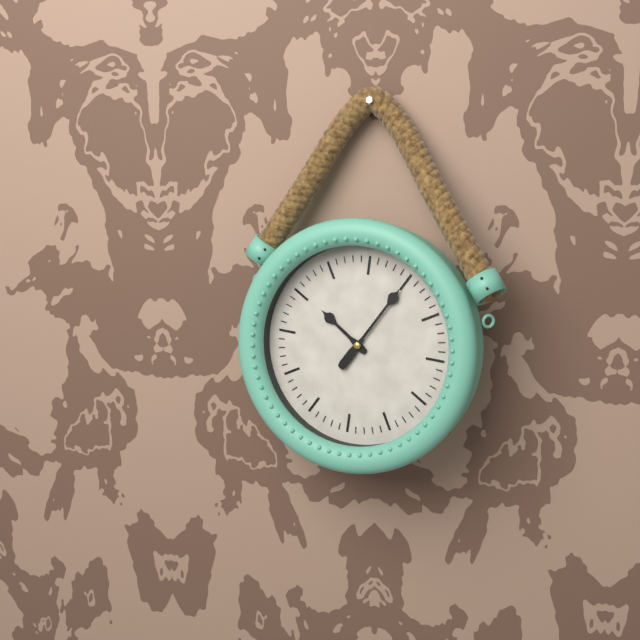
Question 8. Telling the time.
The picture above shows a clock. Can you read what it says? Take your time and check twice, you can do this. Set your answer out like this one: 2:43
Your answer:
10:05
